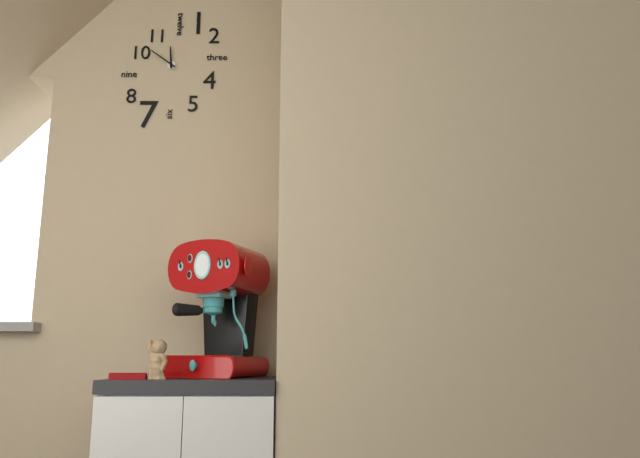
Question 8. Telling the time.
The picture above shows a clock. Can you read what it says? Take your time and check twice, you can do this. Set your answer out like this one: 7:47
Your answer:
11:51
